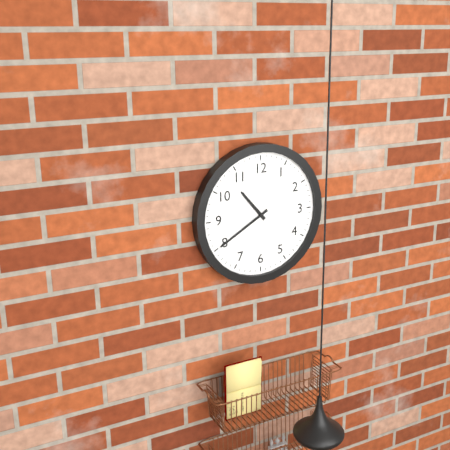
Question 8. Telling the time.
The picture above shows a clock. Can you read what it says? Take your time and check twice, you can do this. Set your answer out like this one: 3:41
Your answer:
10:40
